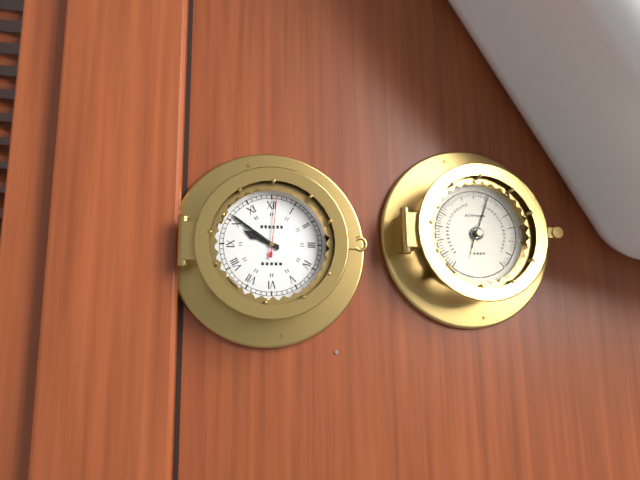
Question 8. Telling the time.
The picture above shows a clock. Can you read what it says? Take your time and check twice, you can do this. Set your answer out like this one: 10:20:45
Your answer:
9:51:01
